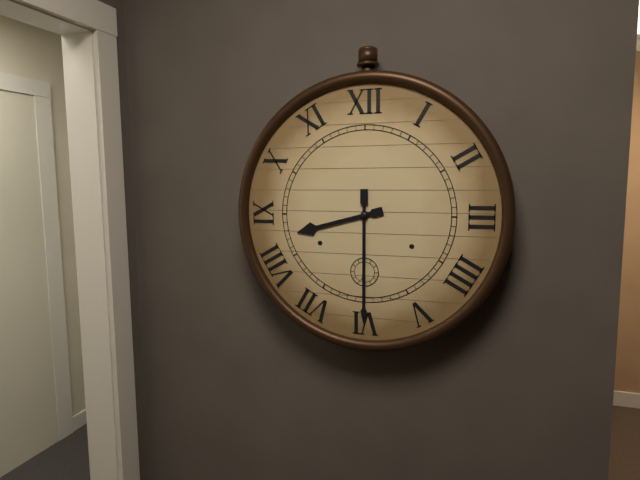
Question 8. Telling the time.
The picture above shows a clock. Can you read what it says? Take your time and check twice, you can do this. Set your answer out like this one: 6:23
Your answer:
8:30
